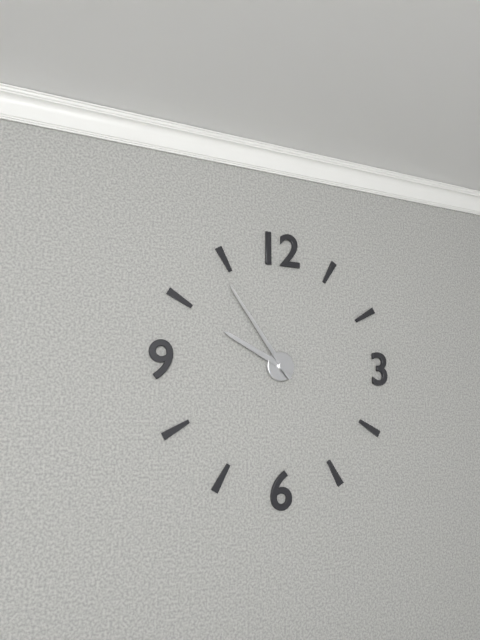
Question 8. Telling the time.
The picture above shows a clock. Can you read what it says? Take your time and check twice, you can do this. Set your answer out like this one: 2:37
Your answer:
9:54
